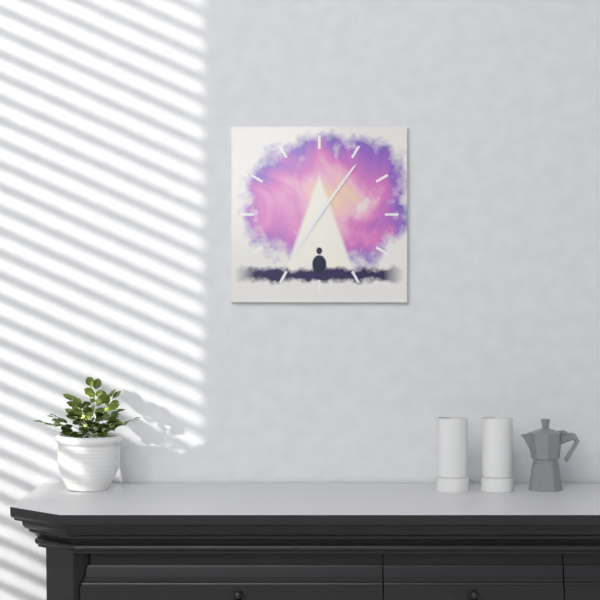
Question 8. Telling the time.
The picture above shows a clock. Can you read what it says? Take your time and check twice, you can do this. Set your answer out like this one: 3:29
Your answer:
7:06
